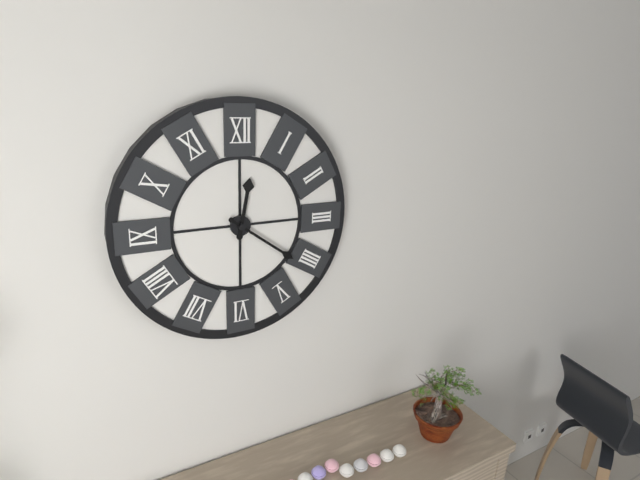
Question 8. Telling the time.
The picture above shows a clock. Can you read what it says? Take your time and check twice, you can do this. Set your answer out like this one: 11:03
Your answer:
12:21
